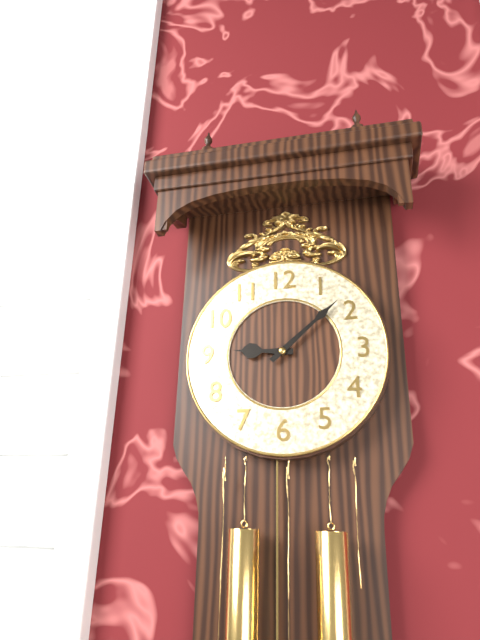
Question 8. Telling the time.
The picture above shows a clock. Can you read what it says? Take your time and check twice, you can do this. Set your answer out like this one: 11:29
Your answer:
9:08
